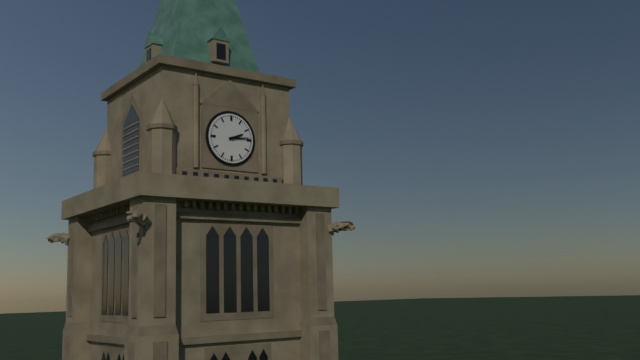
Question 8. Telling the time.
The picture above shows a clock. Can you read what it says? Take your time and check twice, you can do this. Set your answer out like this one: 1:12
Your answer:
2:14
